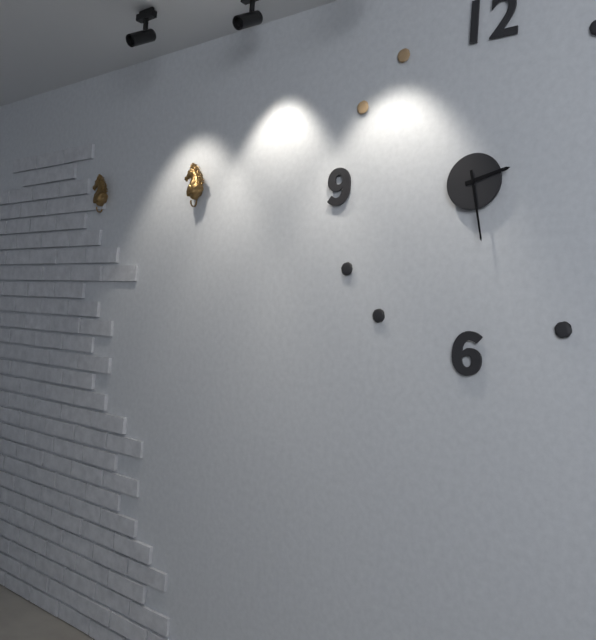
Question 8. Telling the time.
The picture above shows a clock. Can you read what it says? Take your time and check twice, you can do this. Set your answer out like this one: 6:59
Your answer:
2:28
